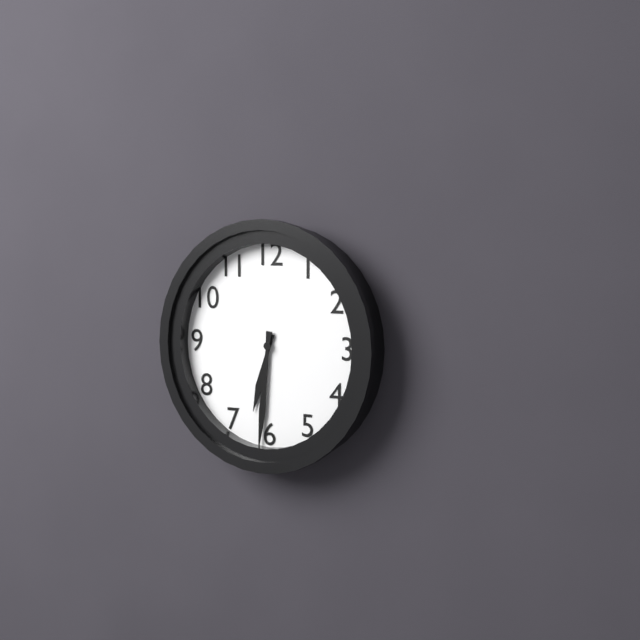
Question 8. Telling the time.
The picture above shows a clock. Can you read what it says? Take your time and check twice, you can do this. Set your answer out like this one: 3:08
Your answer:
6:31
